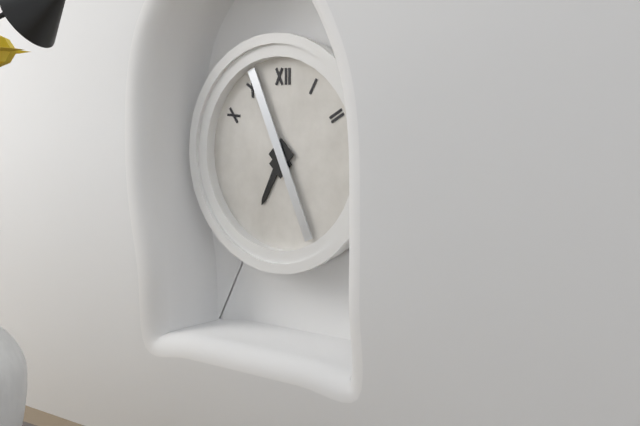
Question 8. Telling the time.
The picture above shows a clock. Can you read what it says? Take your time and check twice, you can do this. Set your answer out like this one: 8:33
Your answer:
6:56
